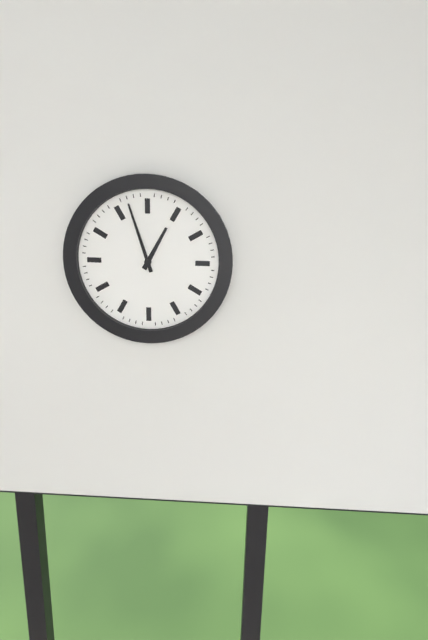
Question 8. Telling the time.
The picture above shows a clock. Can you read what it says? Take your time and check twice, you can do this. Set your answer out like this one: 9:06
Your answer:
12:57
